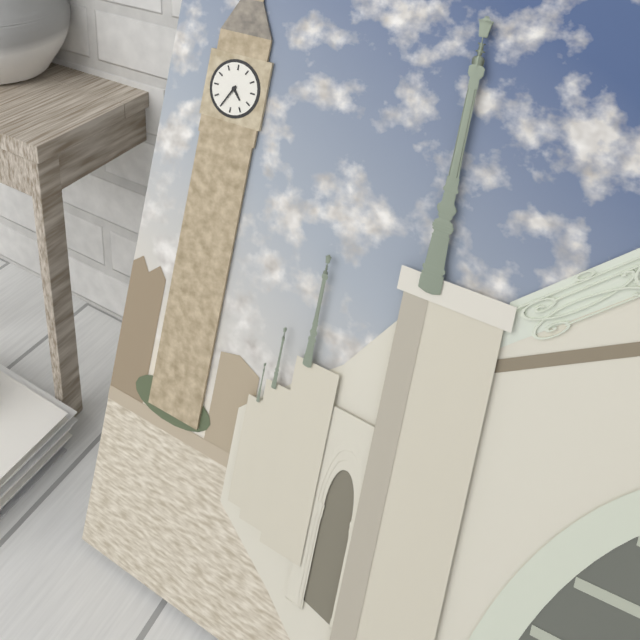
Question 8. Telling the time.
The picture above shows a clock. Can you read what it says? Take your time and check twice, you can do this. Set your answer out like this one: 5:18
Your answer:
4:35
